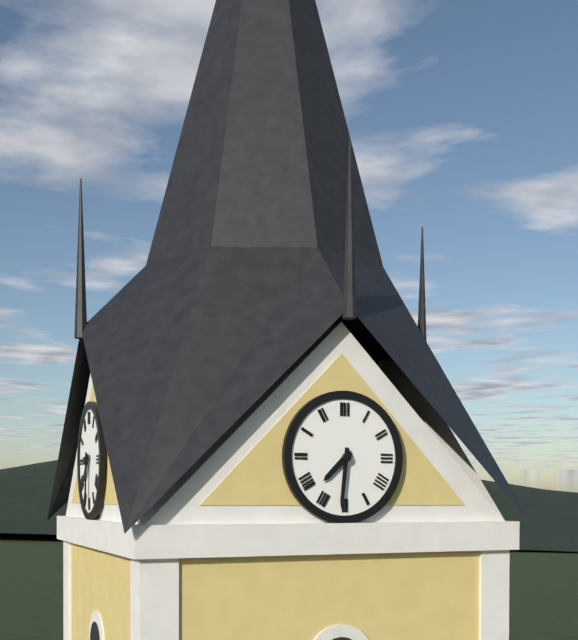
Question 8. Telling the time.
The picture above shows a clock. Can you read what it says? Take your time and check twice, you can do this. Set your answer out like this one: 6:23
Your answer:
7:31
